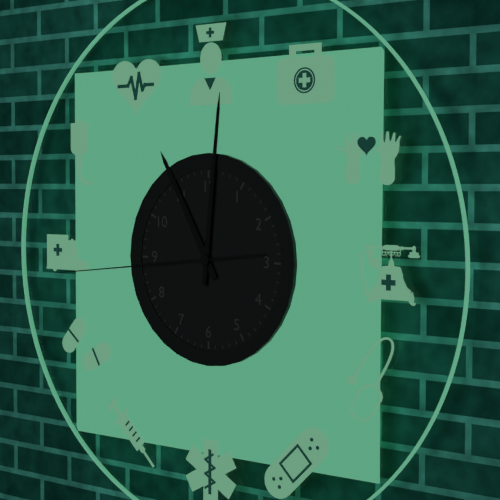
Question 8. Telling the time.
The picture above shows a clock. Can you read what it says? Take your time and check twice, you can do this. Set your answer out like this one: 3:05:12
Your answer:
11:01:44
